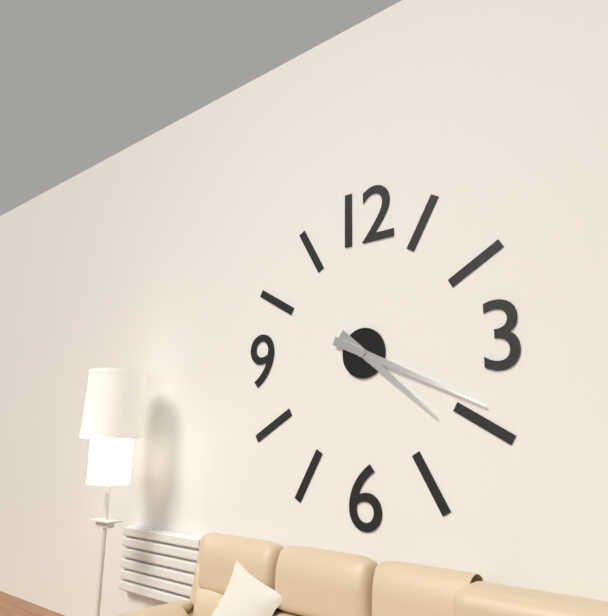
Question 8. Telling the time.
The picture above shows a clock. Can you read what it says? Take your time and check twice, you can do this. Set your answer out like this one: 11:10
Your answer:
4:19
